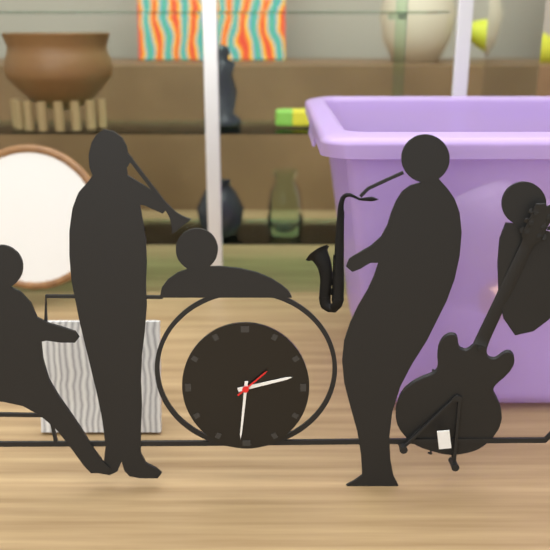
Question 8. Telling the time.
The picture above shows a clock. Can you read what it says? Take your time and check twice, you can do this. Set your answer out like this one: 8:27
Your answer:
2:31
